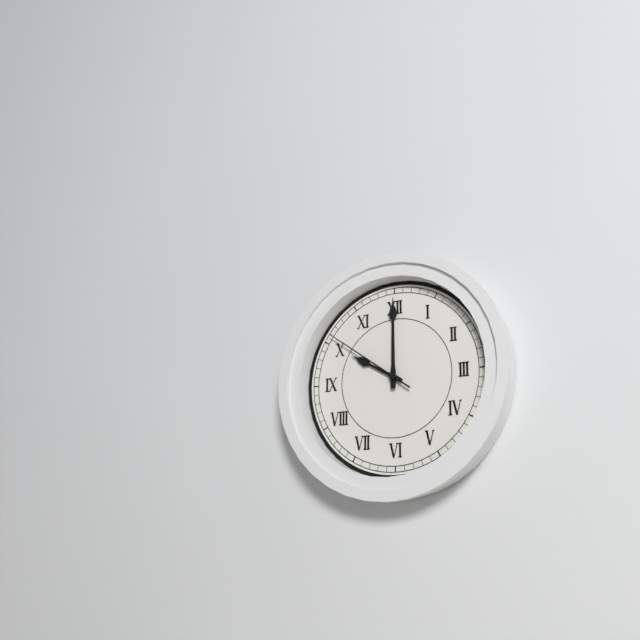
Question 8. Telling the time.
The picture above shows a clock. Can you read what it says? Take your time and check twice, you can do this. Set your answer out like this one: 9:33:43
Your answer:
10:00:51
